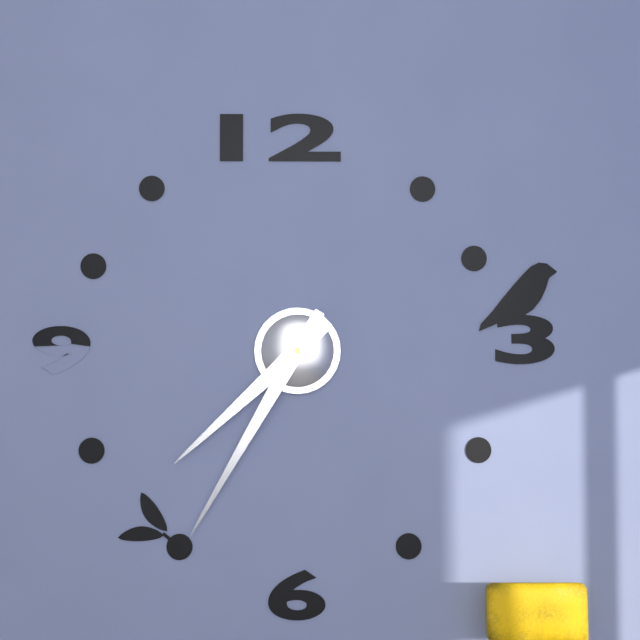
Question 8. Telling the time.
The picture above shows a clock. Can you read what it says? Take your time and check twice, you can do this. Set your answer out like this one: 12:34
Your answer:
7:35
